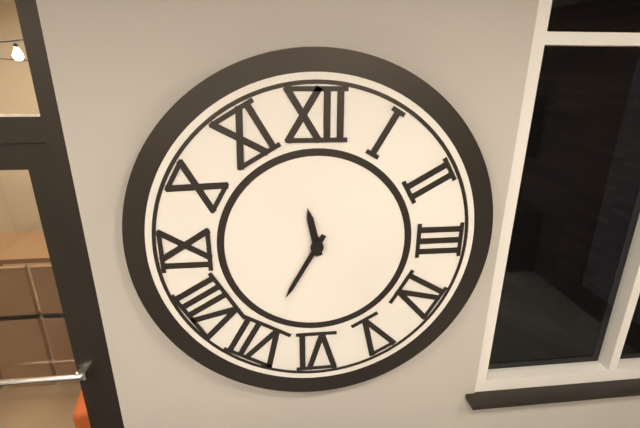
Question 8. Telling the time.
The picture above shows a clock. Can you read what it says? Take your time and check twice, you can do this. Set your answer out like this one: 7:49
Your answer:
11:35
